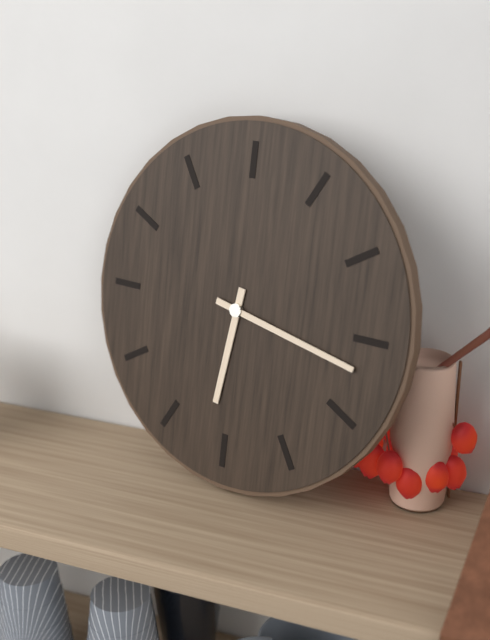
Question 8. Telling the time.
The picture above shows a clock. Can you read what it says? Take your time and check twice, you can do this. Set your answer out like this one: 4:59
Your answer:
6:17
